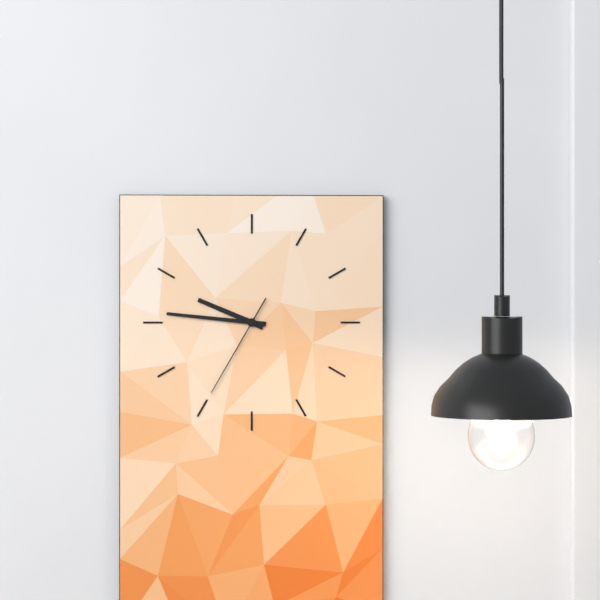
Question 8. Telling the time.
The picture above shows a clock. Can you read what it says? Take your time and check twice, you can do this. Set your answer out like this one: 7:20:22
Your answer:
9:46:35
